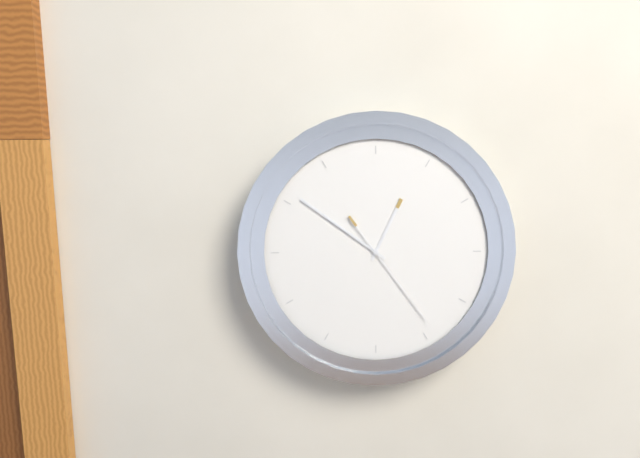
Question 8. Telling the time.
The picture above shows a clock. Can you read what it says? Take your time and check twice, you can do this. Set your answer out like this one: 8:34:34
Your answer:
12:51:24
